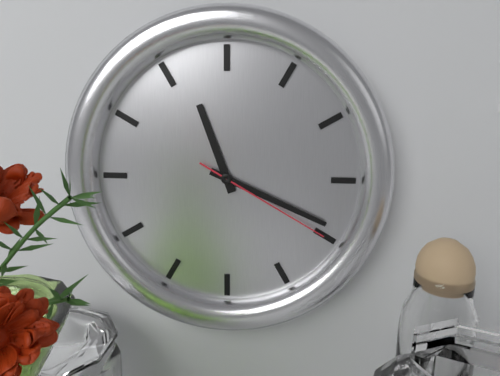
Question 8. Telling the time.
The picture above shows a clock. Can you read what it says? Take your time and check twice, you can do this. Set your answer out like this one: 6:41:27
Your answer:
11:19:20
